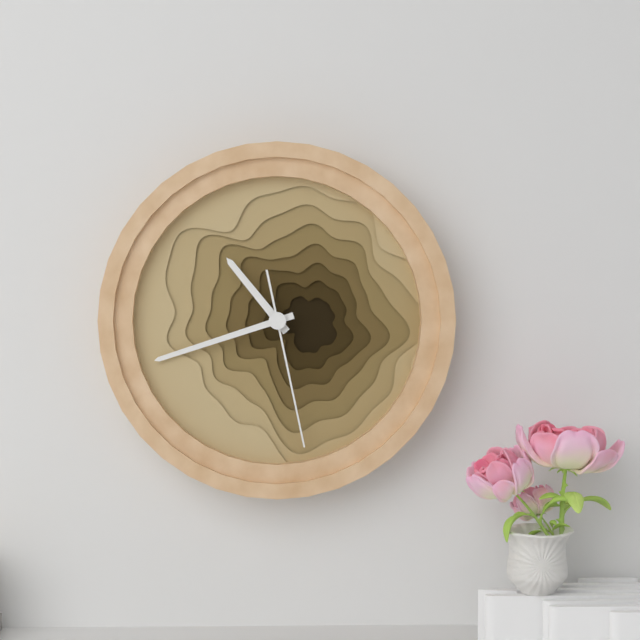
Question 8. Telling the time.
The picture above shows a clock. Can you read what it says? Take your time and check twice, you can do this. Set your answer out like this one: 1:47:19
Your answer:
10:42:28
